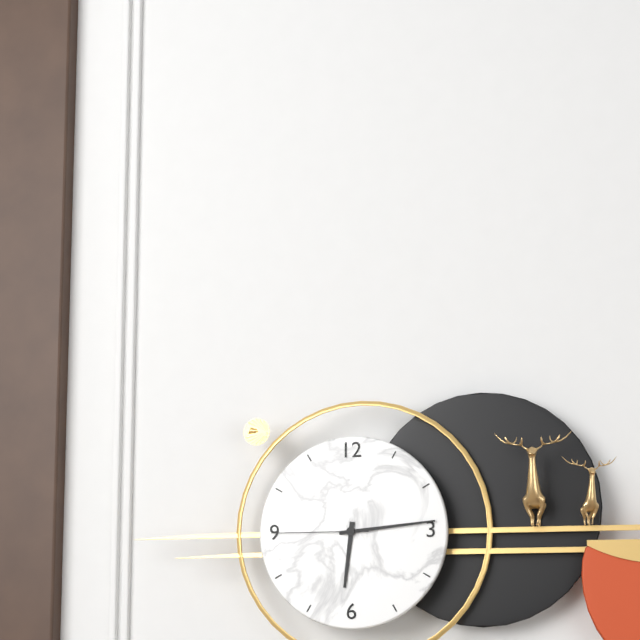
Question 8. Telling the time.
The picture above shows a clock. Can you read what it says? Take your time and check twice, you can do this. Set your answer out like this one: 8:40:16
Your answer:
6:14:45
